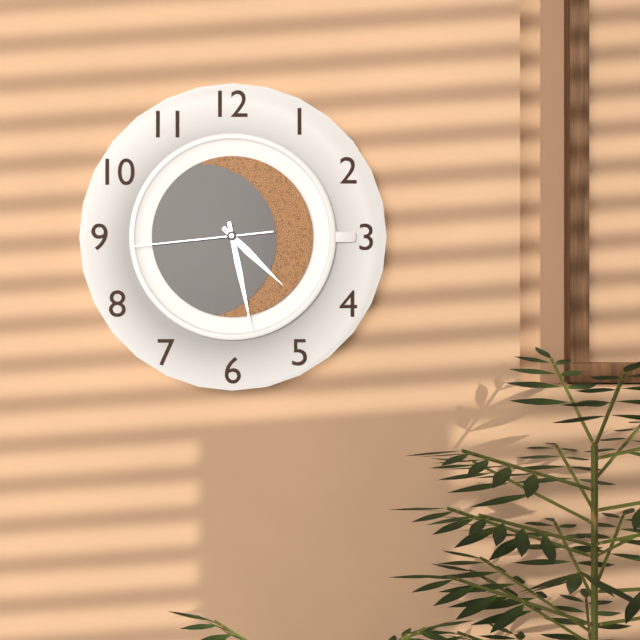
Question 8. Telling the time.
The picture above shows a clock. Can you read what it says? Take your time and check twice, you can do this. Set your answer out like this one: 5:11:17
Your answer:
4:28:44
